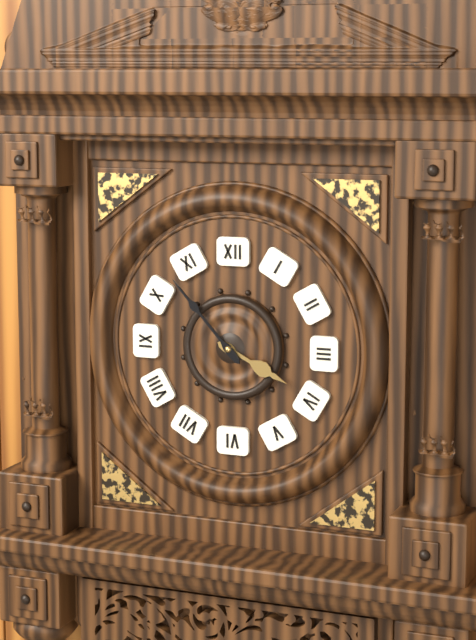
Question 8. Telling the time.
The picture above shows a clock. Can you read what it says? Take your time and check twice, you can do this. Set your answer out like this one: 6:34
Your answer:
3:53
